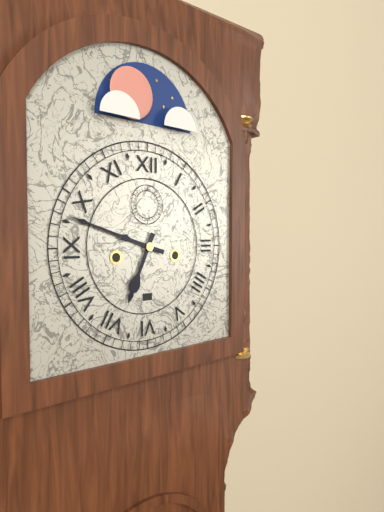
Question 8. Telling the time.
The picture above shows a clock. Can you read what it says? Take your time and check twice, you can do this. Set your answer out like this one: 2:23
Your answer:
6:48
